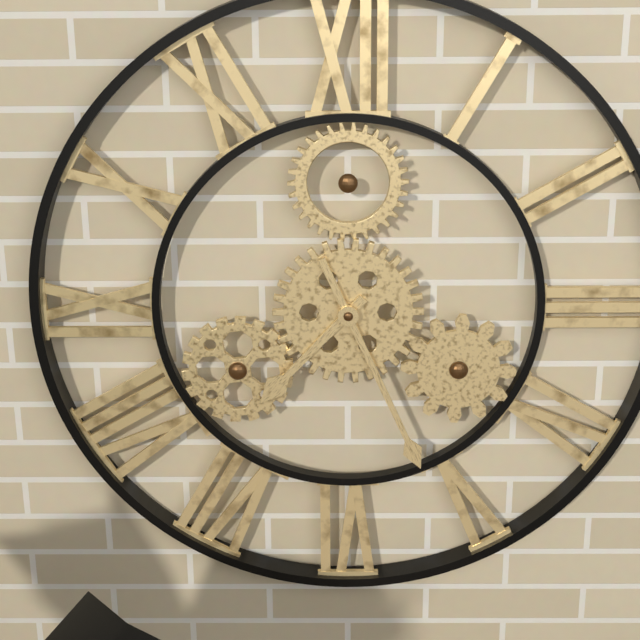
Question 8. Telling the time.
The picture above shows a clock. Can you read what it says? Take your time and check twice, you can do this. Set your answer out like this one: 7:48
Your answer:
7:26
